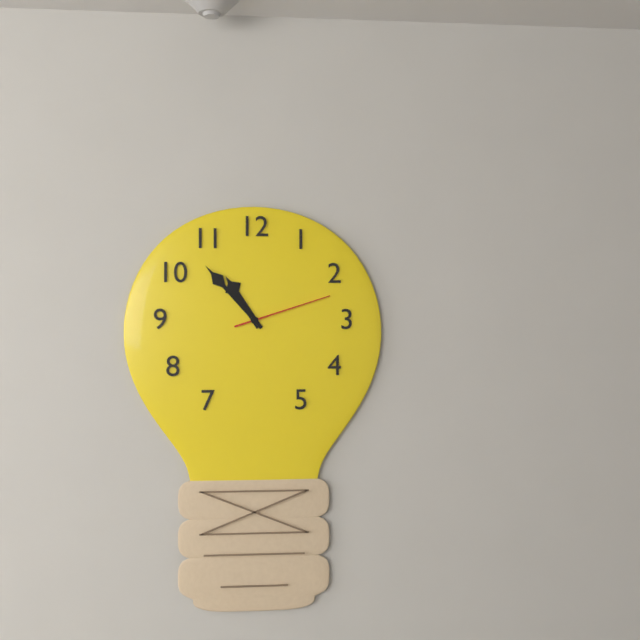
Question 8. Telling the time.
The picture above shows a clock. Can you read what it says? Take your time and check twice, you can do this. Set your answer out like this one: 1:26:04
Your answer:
10:53:12
